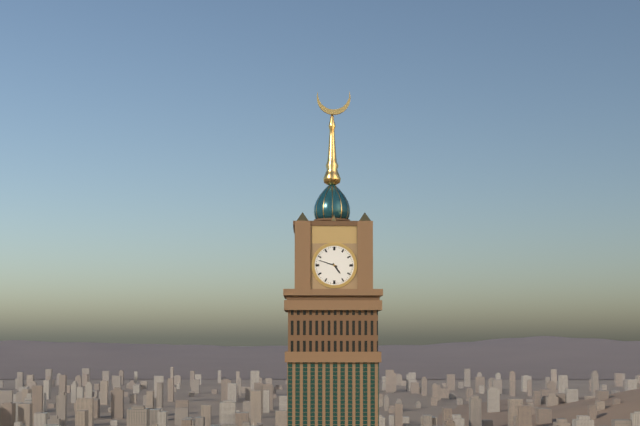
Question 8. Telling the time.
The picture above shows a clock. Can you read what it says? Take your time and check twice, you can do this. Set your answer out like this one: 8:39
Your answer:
4:48
